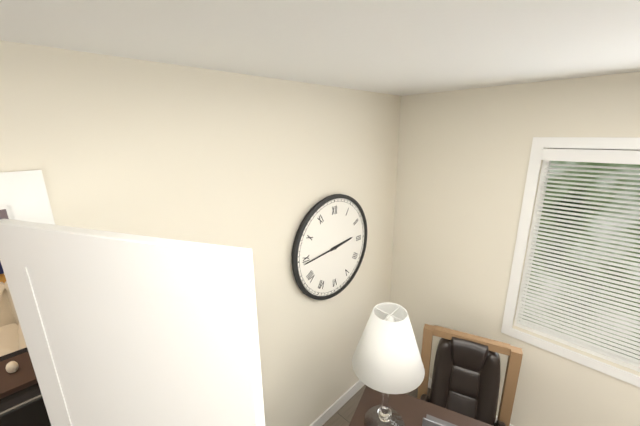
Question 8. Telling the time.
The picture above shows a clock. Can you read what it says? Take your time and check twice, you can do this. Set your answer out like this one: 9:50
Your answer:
2:44
